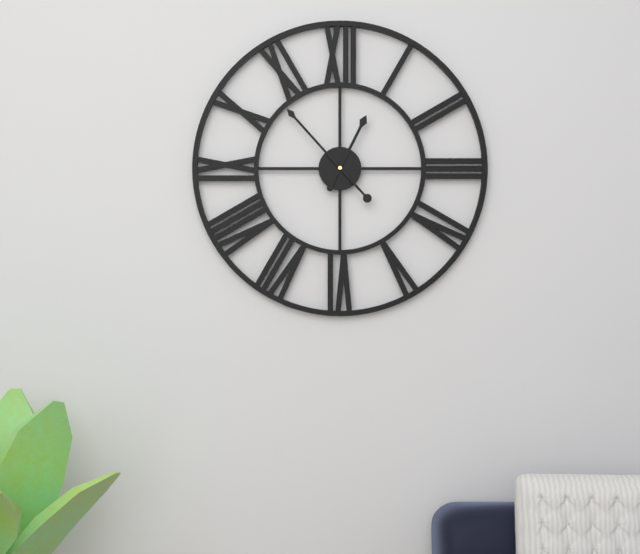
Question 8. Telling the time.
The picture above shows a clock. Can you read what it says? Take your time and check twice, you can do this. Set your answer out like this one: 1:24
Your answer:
12:53
